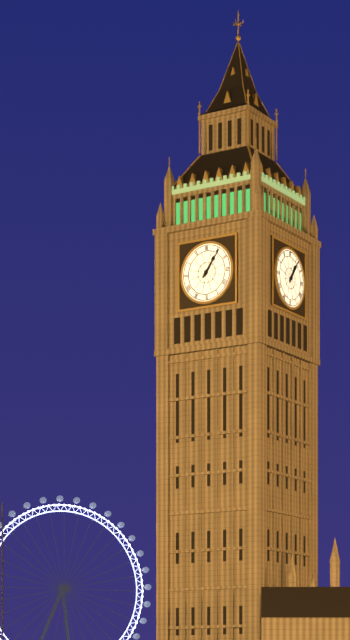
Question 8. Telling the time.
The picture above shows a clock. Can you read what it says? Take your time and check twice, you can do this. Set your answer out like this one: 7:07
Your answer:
1:06
